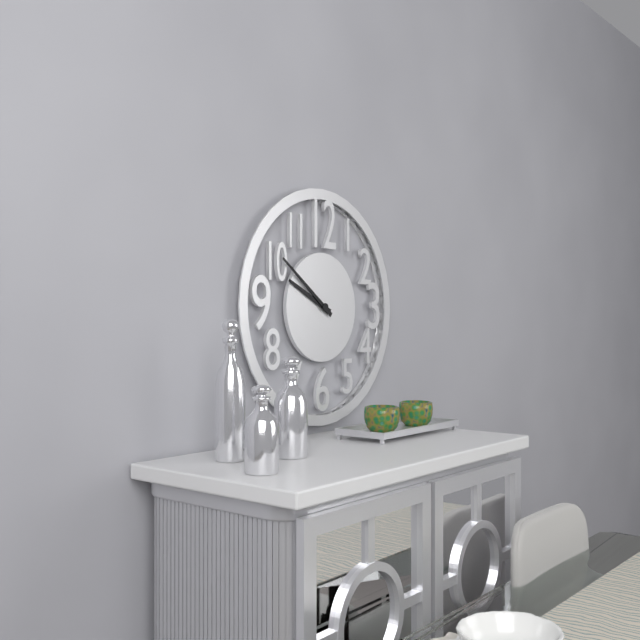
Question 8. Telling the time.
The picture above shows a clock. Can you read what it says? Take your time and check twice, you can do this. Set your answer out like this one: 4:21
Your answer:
9:51
